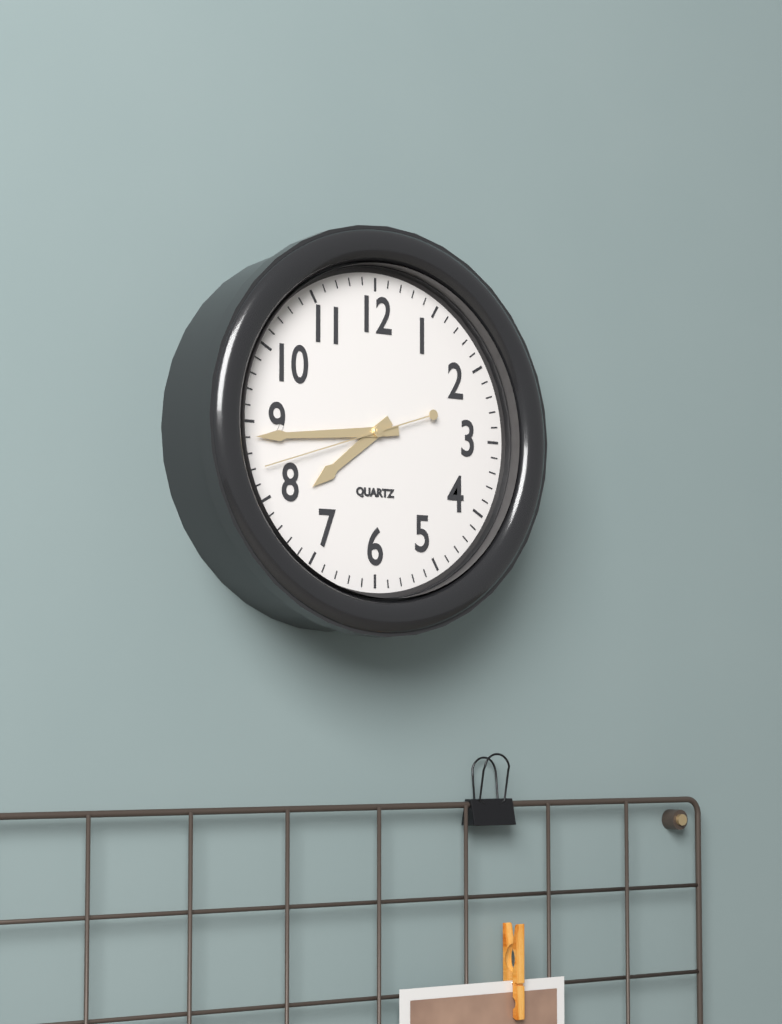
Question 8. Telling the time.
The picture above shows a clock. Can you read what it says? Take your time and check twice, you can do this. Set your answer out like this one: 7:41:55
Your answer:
7:44:42
